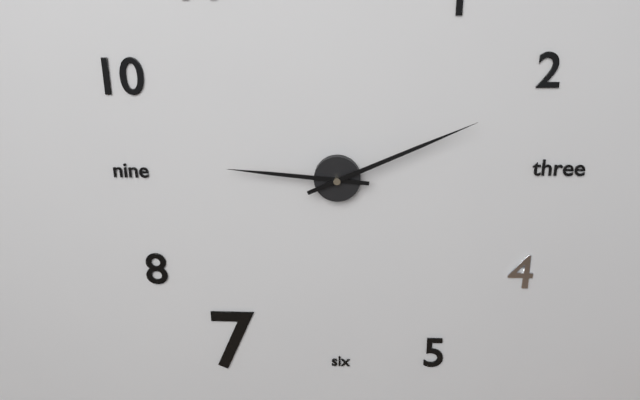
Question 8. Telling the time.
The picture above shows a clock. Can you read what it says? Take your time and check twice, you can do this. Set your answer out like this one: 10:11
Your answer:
9:11
